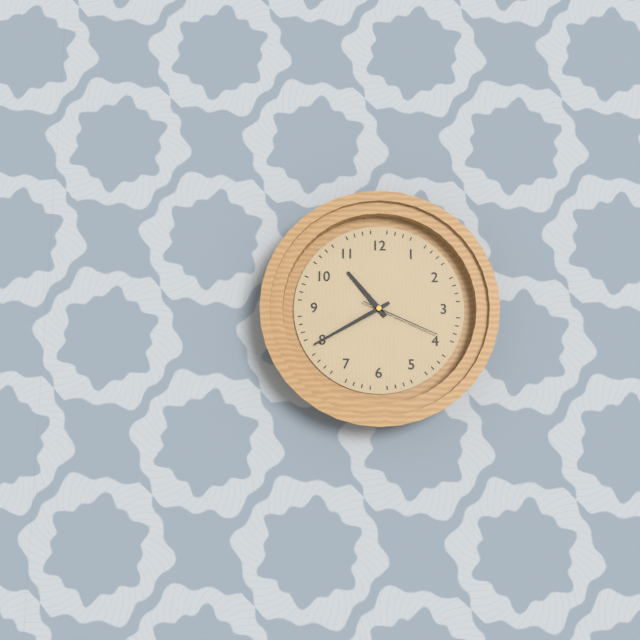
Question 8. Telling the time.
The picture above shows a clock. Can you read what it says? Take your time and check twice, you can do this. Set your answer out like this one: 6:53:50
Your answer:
10:40:19
